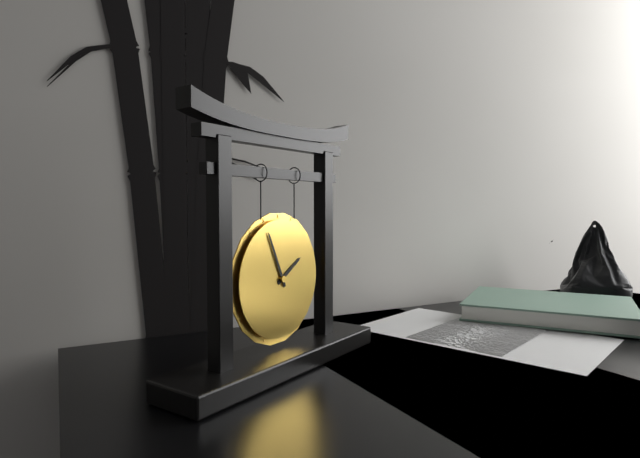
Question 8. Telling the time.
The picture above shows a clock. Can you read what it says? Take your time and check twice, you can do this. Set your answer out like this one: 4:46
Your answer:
1:56
